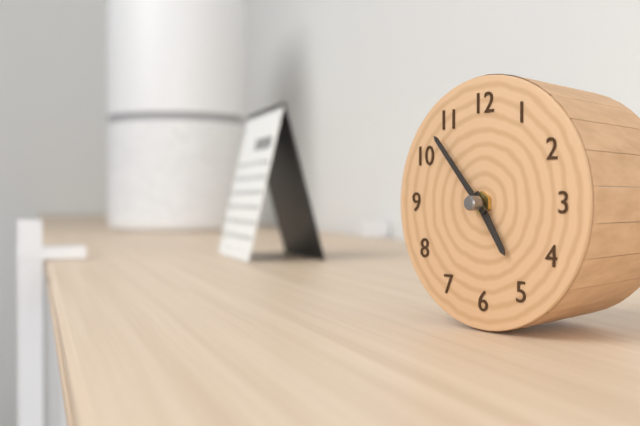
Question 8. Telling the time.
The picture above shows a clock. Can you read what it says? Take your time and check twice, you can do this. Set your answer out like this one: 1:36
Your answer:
4:53
